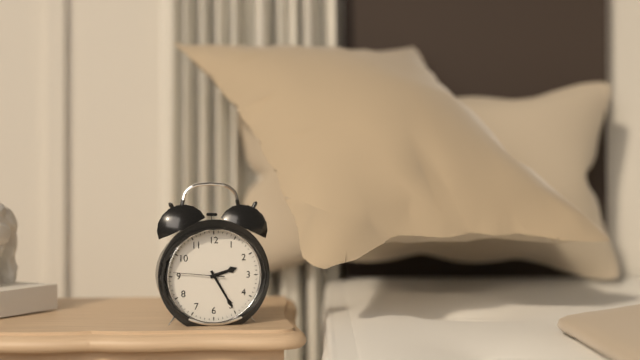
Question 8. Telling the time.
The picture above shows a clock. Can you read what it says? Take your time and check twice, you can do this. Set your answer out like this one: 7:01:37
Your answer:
2:25:46
